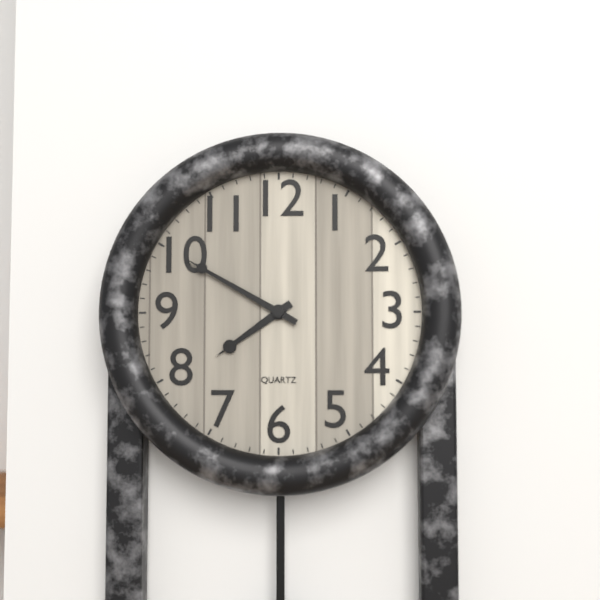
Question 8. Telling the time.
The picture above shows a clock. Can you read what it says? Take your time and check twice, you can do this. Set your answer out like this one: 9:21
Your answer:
7:50
